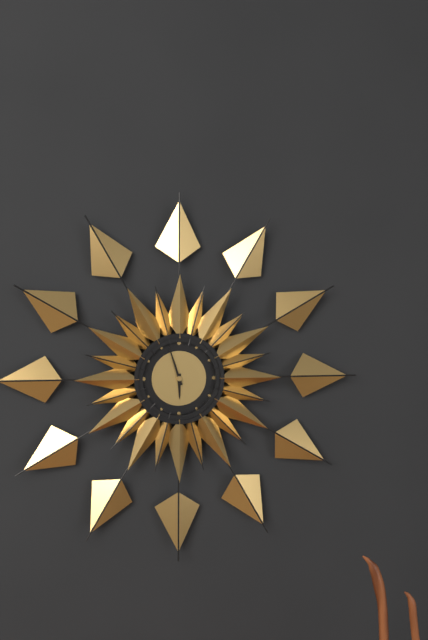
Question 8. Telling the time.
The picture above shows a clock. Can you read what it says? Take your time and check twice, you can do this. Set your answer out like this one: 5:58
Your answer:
5:57
